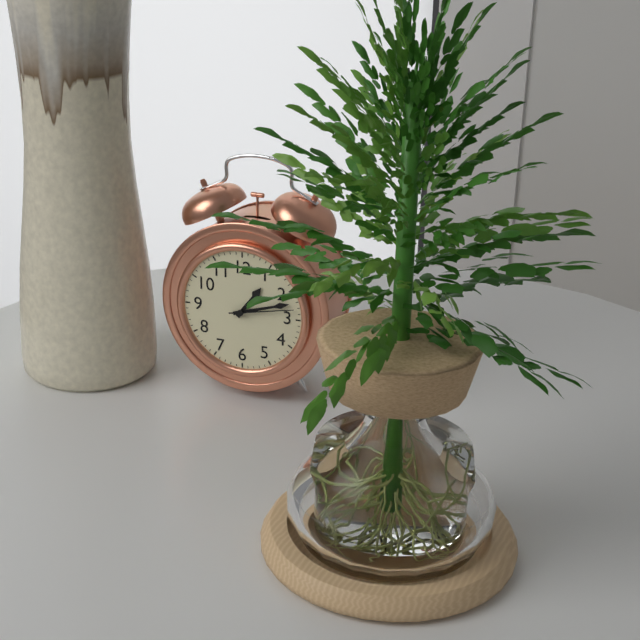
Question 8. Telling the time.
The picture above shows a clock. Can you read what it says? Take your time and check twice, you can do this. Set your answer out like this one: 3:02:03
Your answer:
1:12:13
